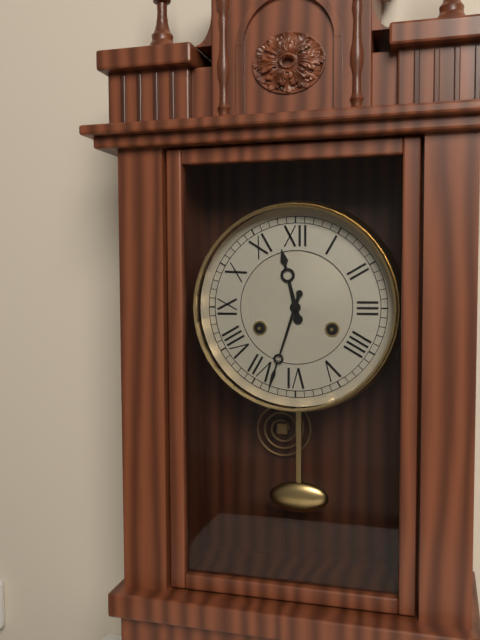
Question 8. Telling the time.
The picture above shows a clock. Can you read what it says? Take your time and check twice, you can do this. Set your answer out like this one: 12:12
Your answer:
11:33
